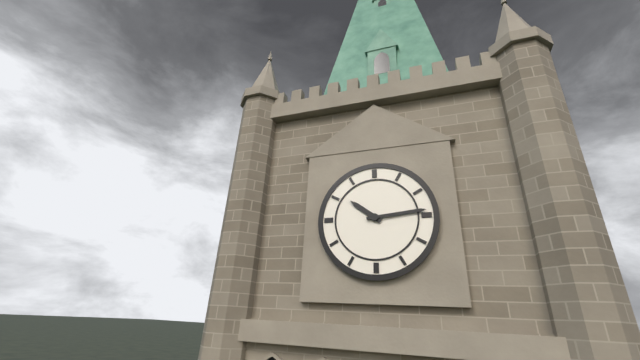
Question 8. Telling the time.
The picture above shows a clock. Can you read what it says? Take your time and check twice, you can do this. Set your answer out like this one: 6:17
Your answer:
10:14
